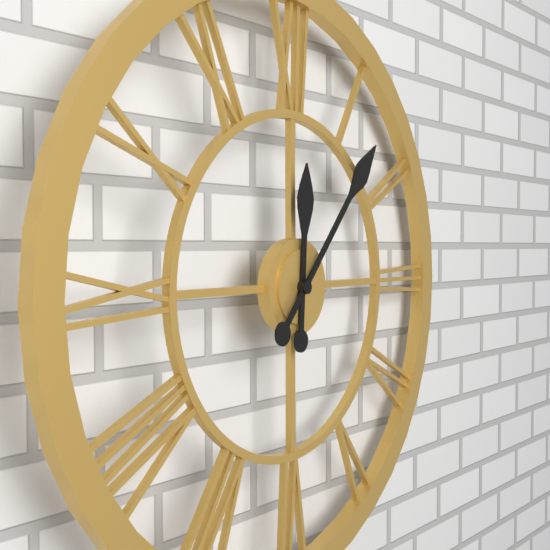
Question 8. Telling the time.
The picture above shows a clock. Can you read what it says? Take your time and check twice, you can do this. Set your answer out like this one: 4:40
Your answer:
12:07
